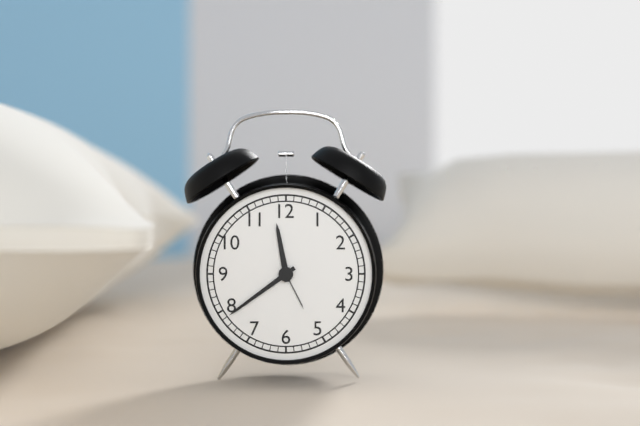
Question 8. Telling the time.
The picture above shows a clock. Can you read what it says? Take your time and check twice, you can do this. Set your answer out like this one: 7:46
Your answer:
11:39
